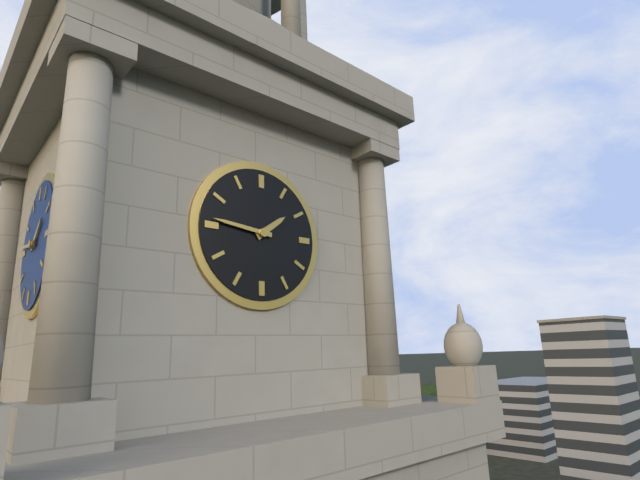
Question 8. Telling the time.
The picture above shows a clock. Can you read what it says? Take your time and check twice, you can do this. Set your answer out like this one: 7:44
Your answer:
1:46
